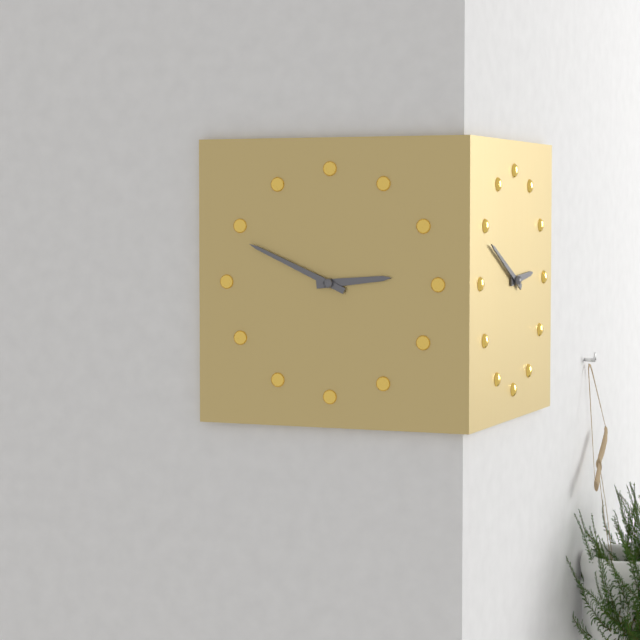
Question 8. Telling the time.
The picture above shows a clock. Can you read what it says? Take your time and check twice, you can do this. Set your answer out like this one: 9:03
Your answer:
2:49
